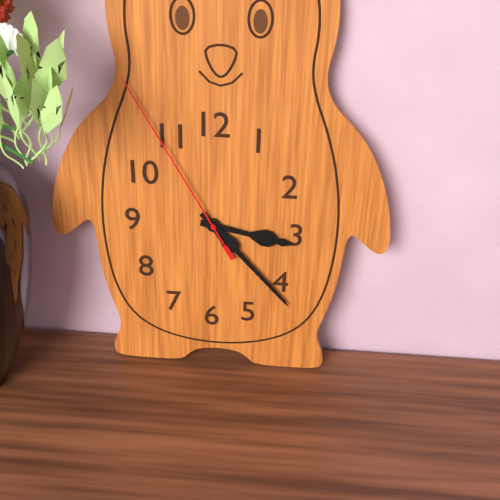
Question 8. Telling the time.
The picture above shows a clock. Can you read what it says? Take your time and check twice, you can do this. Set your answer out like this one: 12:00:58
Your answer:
3:23:55
